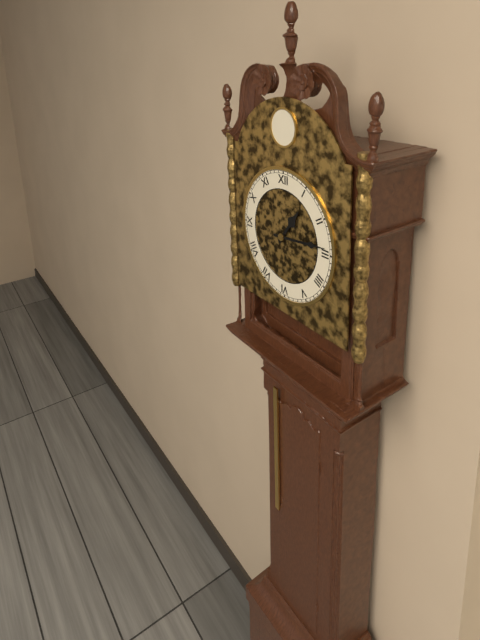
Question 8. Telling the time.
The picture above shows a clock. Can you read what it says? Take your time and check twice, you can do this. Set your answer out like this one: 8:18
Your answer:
1:14
